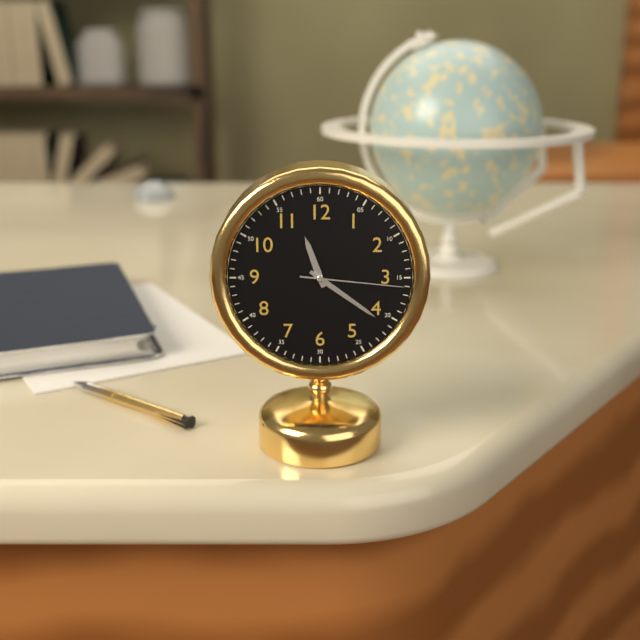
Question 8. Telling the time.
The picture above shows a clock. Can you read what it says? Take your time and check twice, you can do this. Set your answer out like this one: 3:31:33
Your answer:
11:21:16
